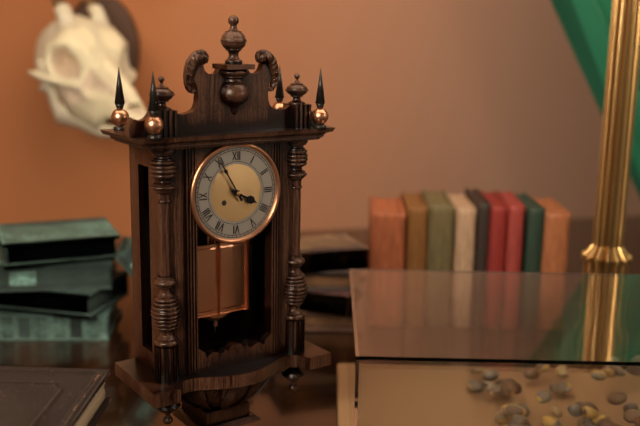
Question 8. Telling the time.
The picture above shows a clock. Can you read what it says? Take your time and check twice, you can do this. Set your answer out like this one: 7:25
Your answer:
3:55
